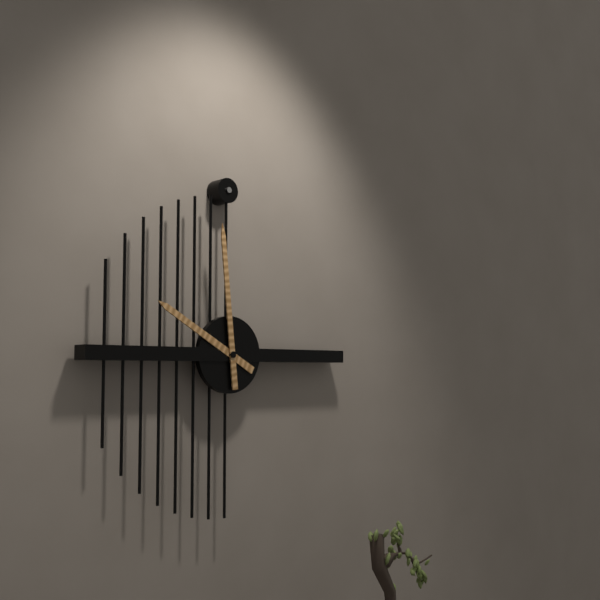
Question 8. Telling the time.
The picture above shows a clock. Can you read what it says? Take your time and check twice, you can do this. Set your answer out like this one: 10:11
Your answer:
9:59
